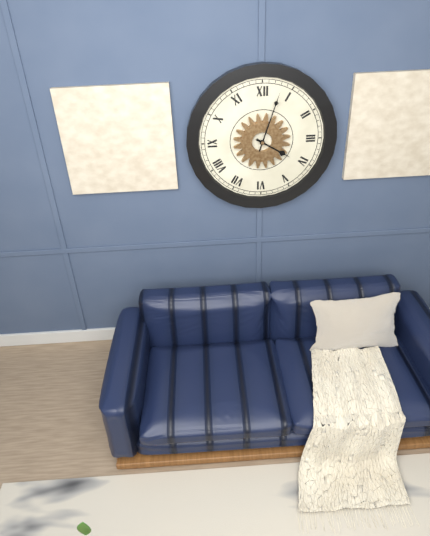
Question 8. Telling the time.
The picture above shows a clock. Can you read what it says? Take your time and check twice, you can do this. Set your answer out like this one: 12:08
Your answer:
4:03
